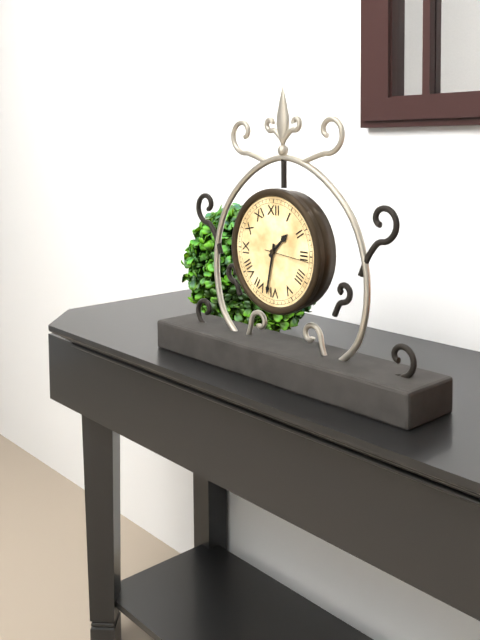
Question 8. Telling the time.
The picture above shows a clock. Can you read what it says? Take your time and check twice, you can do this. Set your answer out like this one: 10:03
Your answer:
1:32
